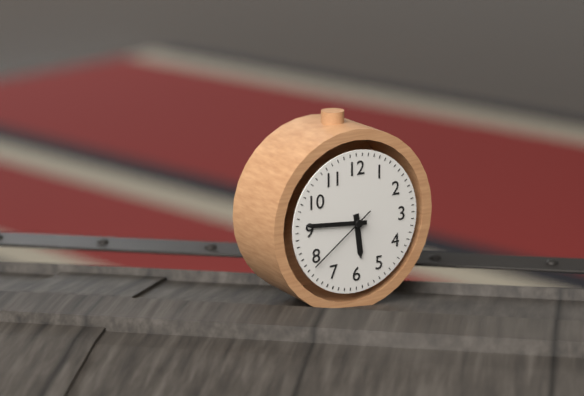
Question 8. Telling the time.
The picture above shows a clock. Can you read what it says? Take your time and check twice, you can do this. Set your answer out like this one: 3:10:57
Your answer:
5:46:39
